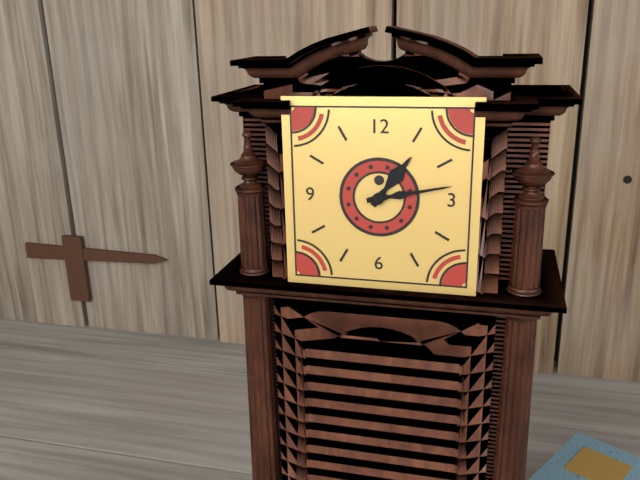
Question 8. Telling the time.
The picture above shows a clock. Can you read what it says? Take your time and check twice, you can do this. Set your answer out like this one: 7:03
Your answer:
1:13
